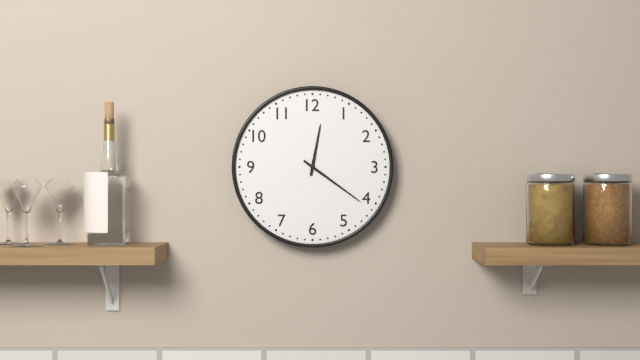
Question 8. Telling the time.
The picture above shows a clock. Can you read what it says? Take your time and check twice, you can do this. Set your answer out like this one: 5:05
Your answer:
12:21
